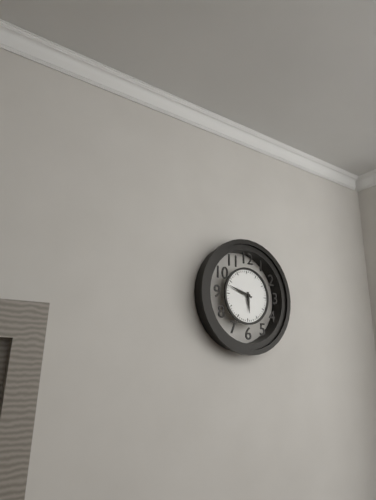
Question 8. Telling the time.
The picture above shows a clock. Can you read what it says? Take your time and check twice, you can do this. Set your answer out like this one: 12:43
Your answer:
5:48
